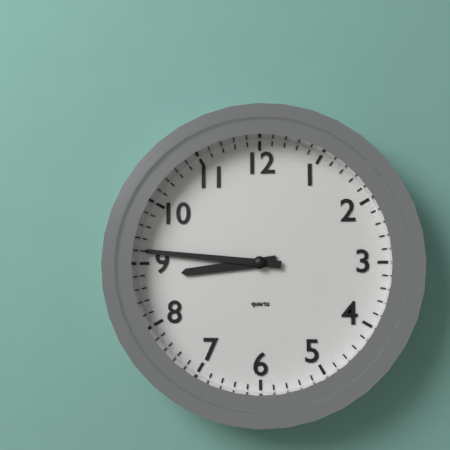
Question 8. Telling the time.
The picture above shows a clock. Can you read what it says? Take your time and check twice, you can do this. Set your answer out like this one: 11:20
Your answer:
8:46
